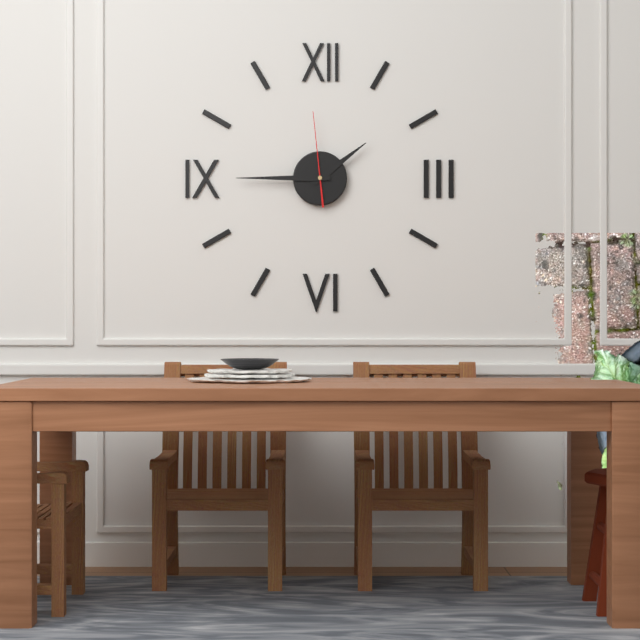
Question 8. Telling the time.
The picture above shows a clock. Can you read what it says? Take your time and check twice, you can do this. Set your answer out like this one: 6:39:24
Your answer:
1:45:59
